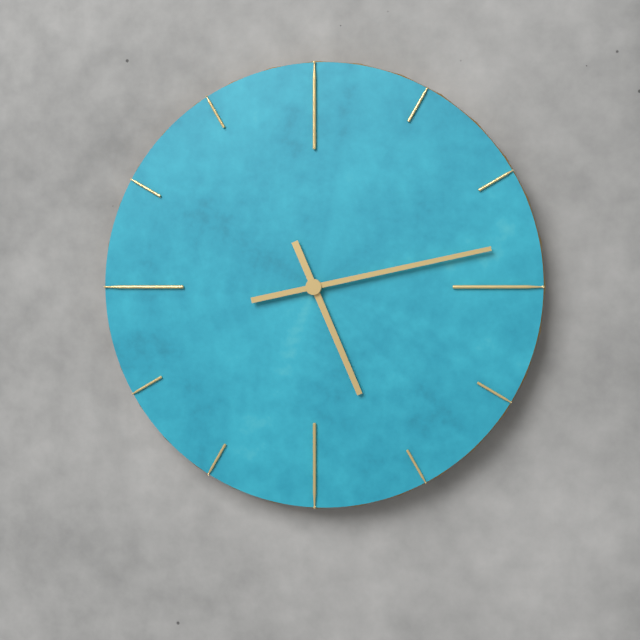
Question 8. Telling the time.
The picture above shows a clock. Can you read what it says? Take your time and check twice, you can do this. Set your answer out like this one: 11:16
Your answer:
5:13
